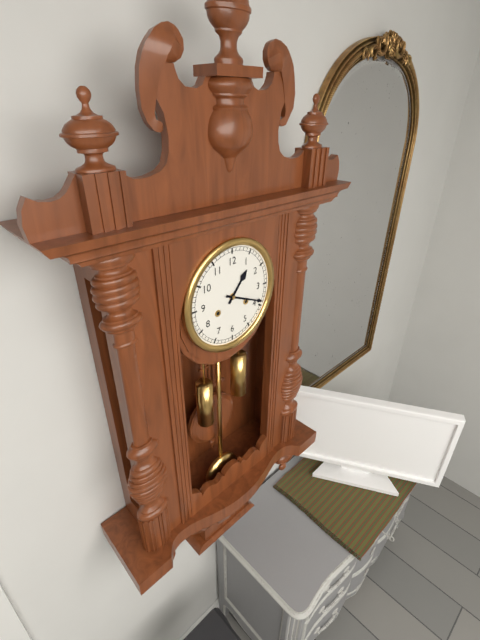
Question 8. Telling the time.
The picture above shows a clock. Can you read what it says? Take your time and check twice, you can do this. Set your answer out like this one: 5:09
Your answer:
1:19
